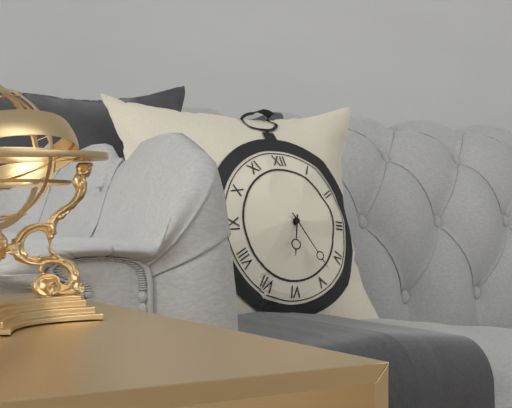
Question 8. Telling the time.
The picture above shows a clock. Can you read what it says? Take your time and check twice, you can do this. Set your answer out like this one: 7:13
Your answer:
6:25
